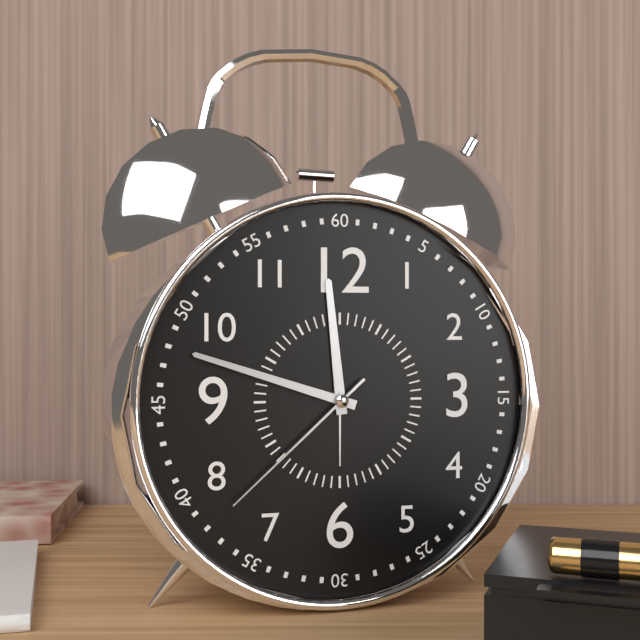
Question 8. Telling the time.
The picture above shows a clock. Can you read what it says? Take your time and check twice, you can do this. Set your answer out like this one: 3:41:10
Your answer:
11:48:38
